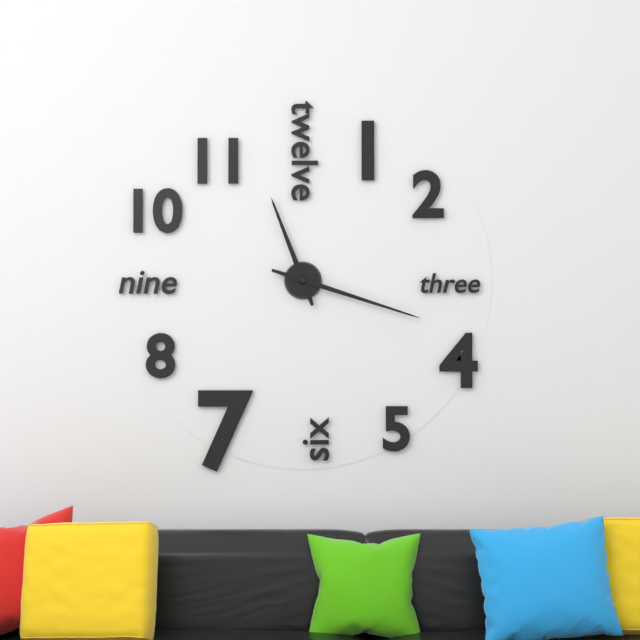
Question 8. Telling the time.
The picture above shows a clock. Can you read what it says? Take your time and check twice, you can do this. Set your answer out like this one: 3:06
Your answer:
11:18
